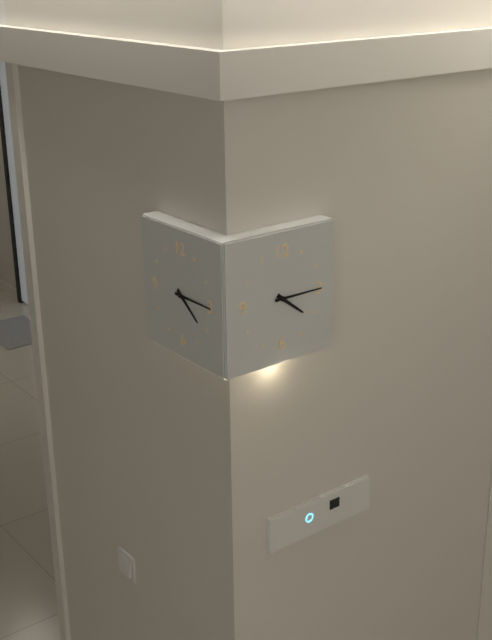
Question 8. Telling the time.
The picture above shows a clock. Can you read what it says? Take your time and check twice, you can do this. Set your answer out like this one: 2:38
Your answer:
4:15
